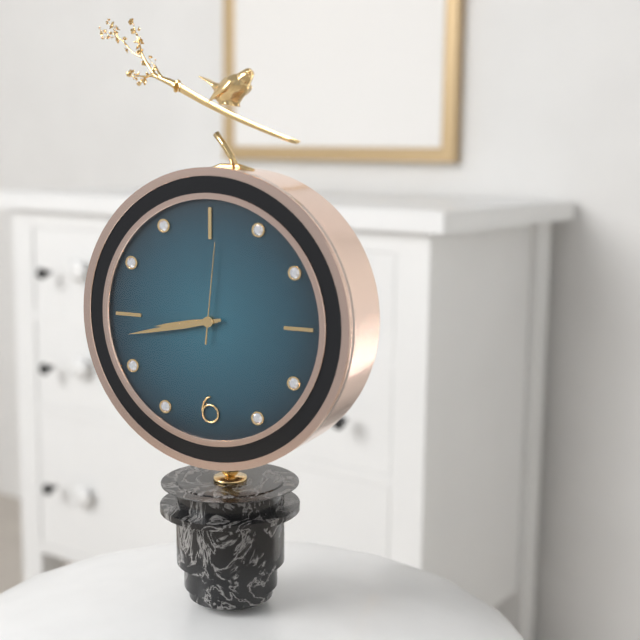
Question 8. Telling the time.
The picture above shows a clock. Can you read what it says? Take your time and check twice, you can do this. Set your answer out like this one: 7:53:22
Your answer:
8:43:01
